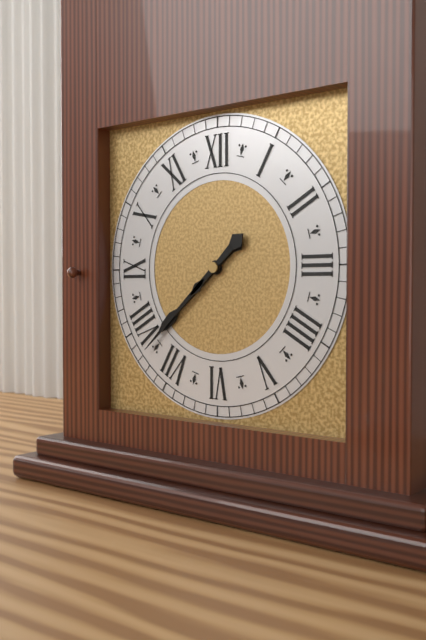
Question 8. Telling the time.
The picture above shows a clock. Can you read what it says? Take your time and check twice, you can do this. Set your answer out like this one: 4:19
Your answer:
7:38
